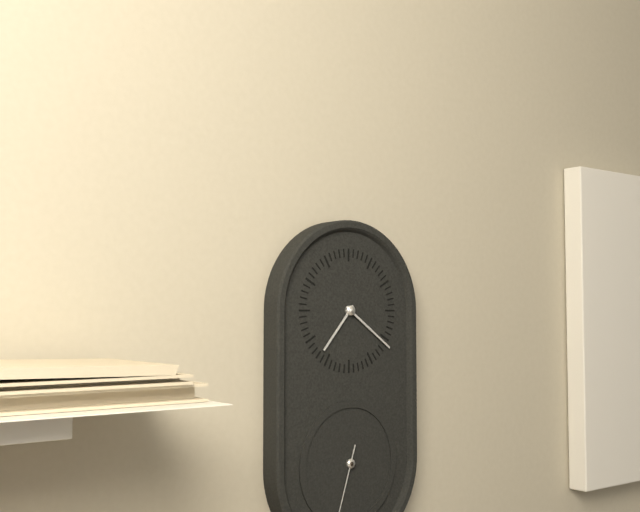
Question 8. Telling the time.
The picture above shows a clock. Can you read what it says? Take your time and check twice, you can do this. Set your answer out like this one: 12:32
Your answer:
7:21
